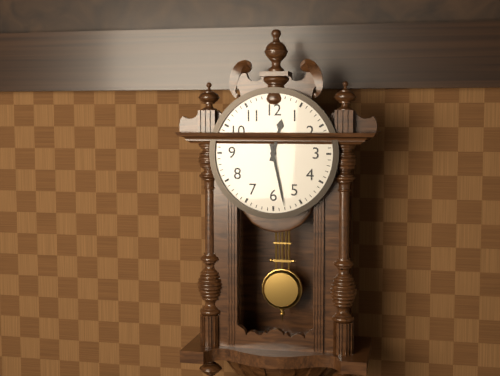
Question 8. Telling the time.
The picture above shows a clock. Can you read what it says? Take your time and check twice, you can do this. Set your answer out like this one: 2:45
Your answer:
12:28
